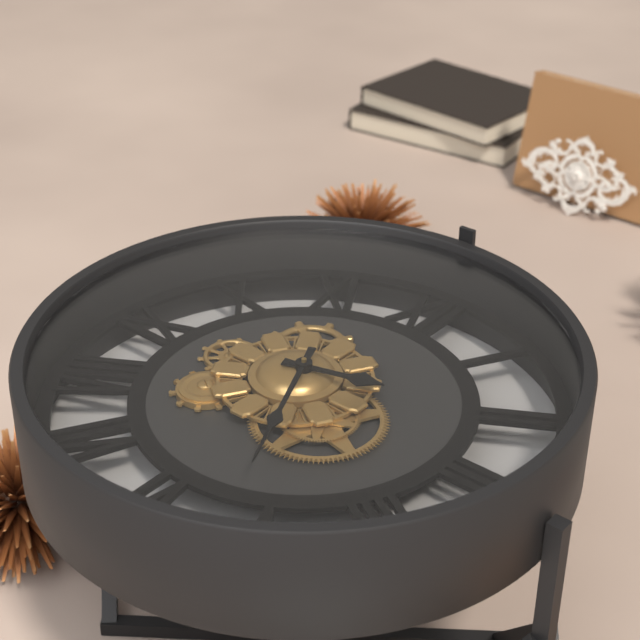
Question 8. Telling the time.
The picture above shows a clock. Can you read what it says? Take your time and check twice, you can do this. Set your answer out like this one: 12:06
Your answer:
2:26
